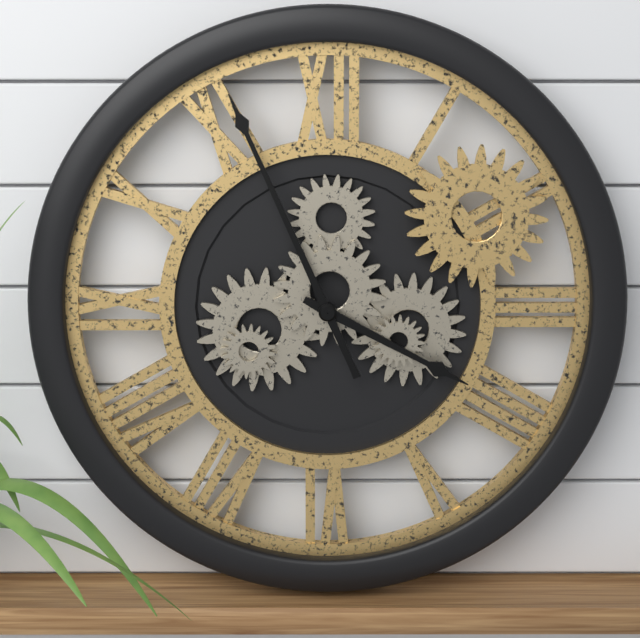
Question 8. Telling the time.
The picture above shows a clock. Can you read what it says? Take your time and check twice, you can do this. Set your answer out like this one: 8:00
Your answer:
3:56
